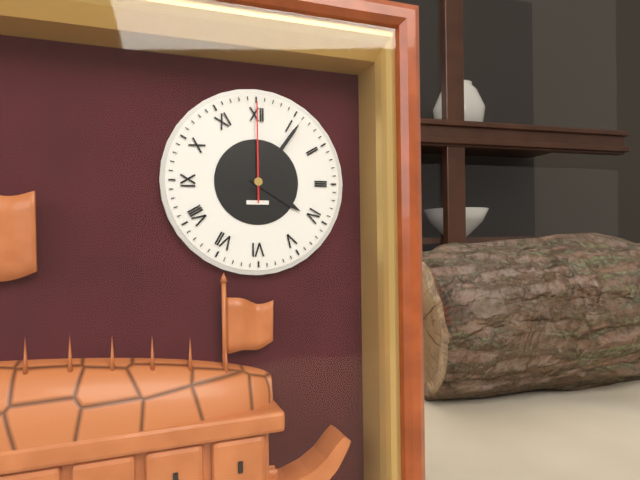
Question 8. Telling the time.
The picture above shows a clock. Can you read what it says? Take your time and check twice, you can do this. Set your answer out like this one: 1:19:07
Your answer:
4:06:00
